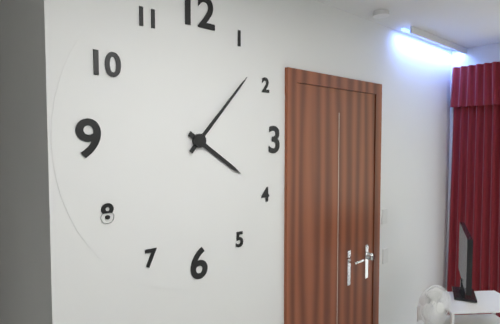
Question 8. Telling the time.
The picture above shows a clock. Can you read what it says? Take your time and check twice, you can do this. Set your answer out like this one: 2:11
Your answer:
4:07
